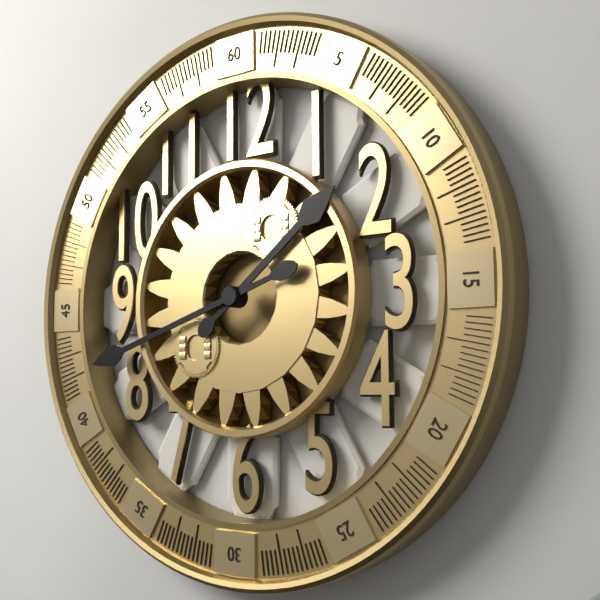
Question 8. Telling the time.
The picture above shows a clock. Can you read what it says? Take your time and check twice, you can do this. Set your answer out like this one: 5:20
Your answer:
1:42
